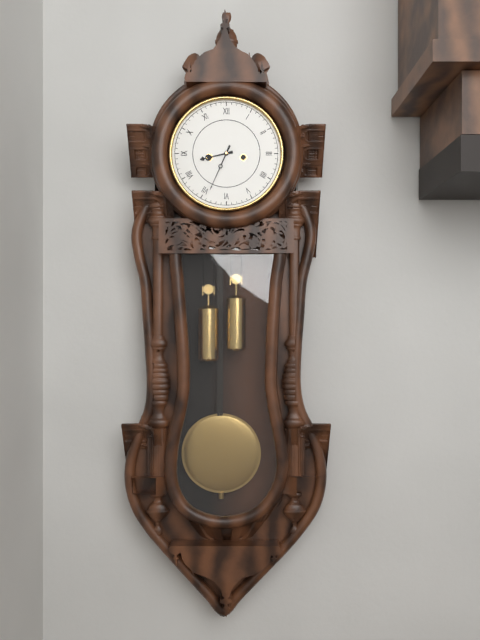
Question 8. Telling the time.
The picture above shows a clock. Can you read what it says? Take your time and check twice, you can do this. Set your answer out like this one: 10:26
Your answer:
8:34
